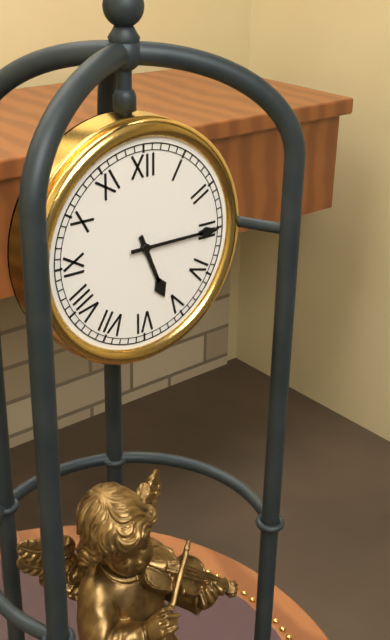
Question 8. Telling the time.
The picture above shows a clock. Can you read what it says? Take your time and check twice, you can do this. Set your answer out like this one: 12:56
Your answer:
5:15
